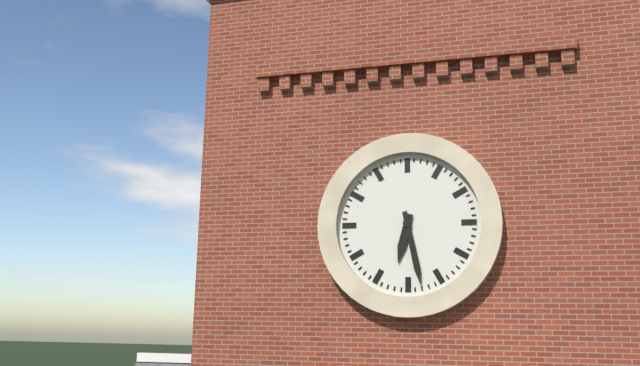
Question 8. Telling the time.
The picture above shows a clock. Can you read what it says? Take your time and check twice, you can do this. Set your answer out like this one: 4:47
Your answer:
6:28
